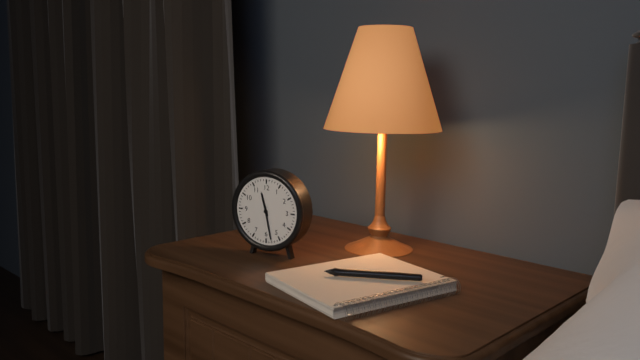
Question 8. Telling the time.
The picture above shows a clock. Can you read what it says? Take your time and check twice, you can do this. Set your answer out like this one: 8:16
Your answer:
11:28
